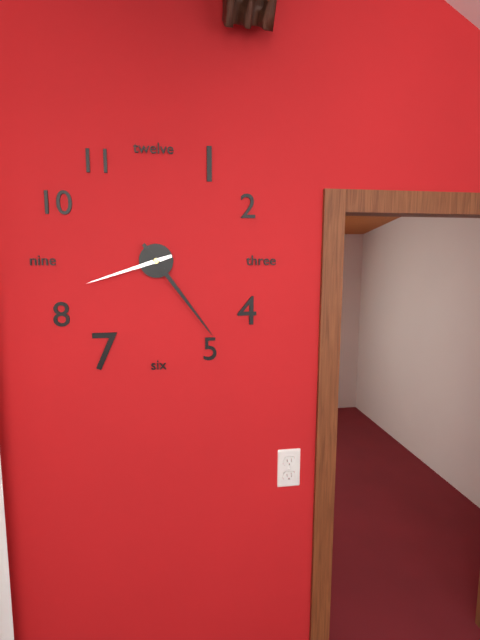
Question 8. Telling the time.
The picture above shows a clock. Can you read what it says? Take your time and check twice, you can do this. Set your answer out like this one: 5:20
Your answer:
8:24
